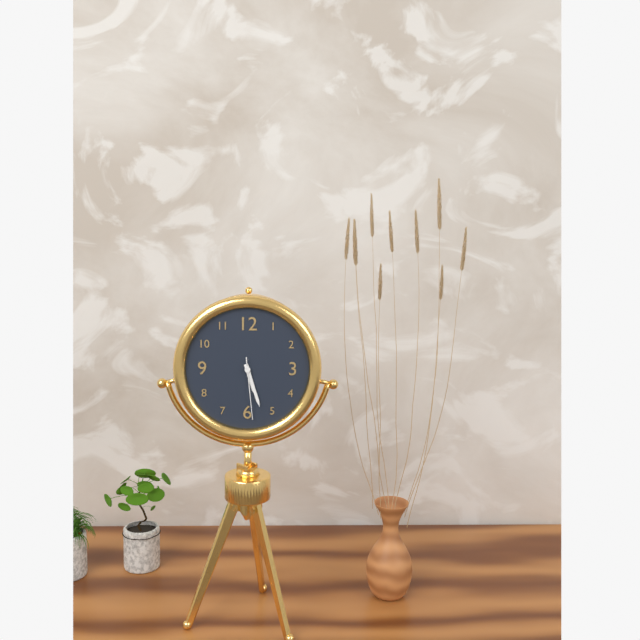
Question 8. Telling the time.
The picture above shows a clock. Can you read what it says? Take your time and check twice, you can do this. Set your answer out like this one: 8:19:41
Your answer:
5:27:29
